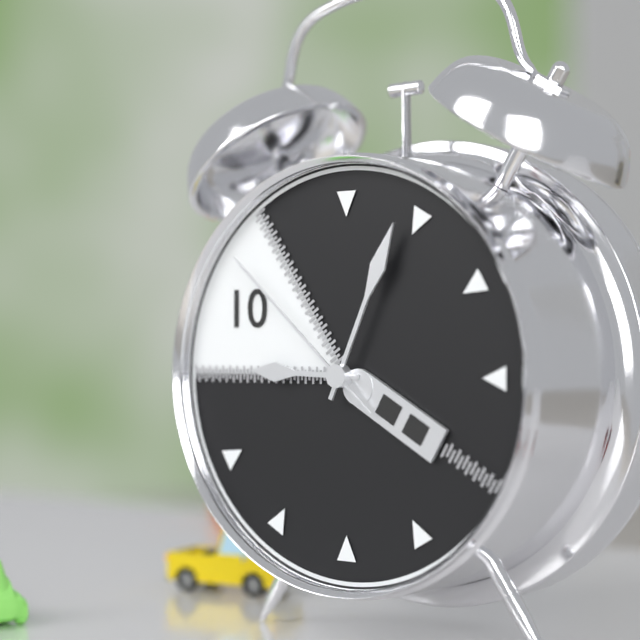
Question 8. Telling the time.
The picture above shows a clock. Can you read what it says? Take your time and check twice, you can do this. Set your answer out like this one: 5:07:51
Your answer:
9:04:52
